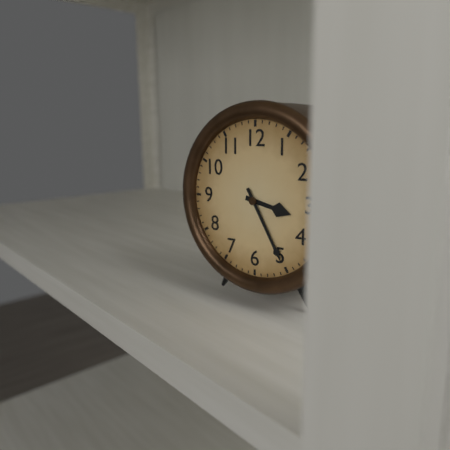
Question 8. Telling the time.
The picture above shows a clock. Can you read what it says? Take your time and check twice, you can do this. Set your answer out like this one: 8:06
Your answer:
3:25
